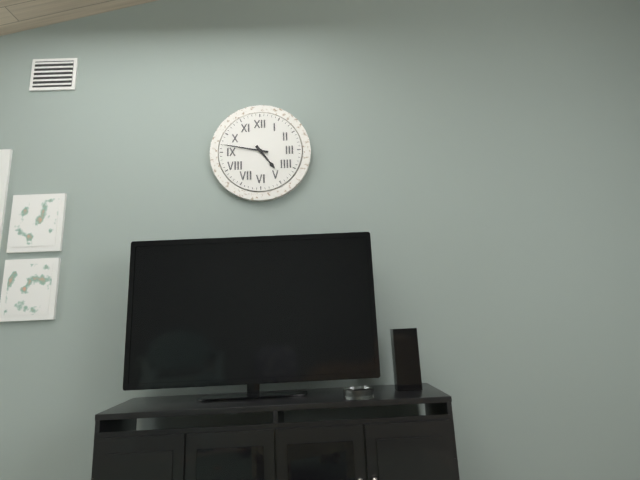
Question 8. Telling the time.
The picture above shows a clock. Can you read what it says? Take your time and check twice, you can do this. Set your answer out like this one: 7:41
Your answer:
4:47
